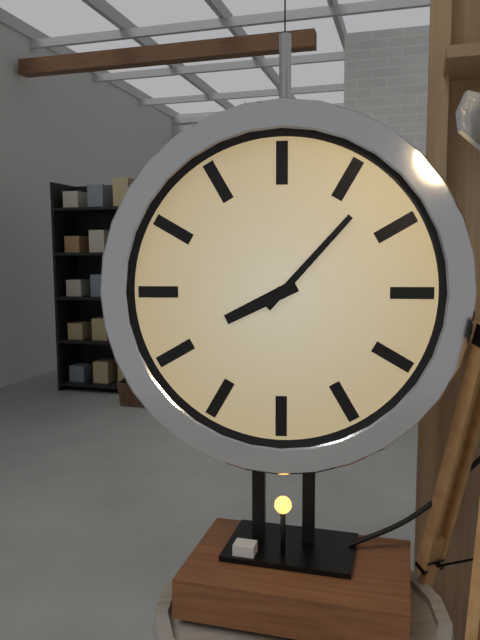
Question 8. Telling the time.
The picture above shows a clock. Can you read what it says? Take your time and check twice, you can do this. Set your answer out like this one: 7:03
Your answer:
8:07
